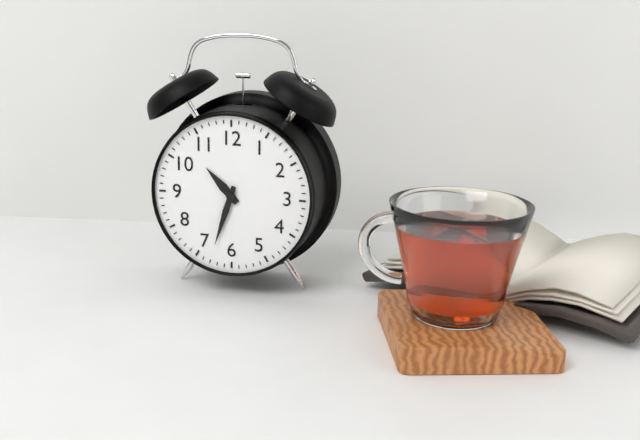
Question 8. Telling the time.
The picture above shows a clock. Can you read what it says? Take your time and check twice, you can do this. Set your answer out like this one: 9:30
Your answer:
10:33
